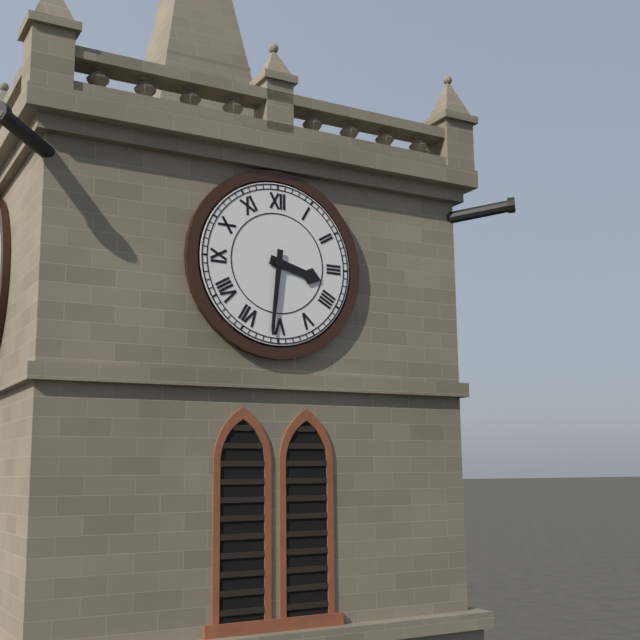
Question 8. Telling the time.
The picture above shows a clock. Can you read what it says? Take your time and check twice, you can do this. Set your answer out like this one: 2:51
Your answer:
3:31
